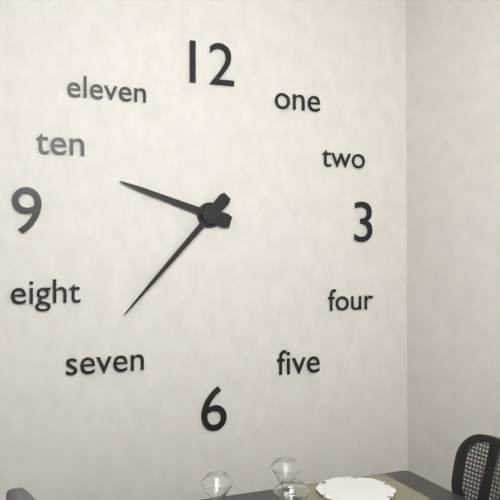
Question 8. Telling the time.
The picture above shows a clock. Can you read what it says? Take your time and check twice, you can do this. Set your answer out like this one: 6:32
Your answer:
9:37
